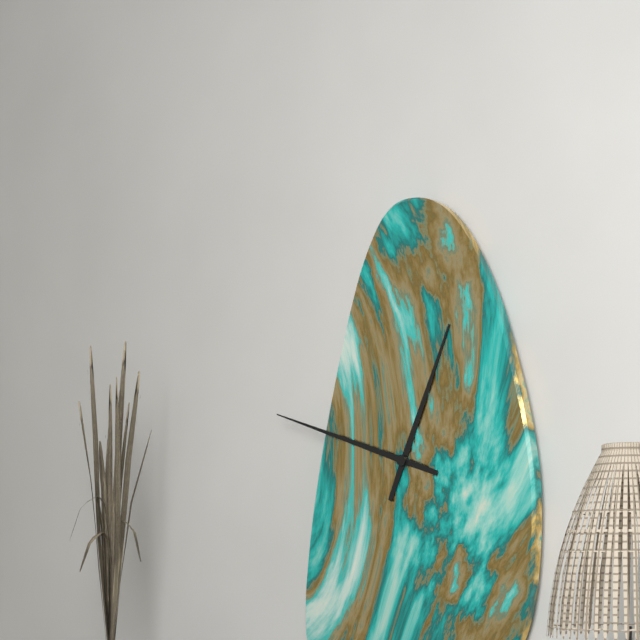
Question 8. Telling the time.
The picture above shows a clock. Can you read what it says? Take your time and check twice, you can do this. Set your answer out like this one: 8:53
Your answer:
12:48
